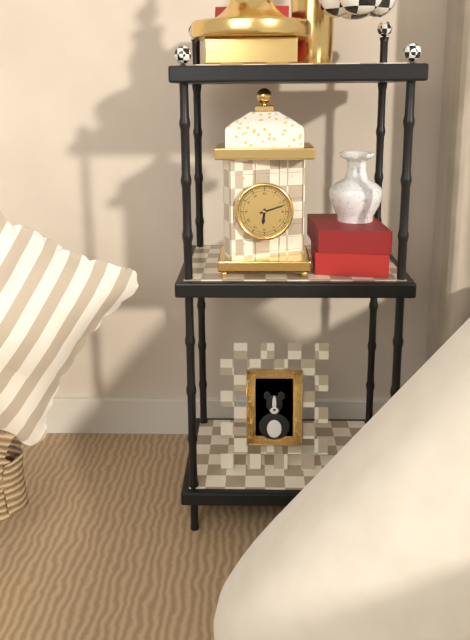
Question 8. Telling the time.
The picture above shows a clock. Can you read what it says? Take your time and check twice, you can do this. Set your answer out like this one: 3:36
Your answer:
6:12
